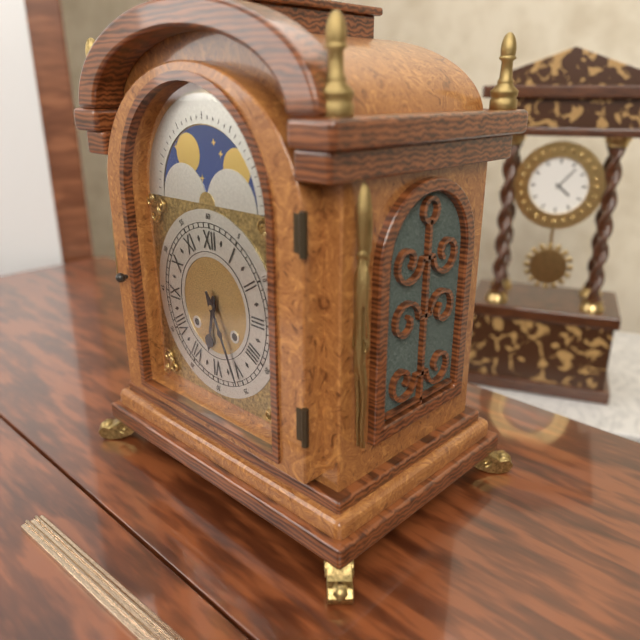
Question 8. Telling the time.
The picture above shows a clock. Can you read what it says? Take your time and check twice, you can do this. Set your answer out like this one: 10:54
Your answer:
6:26
